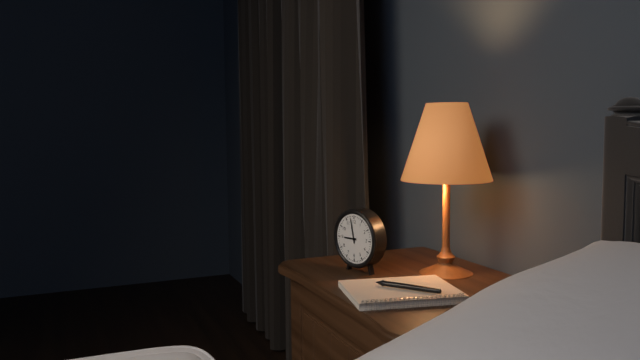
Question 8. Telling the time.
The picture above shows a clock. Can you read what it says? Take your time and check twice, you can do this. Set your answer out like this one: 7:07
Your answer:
8:58
